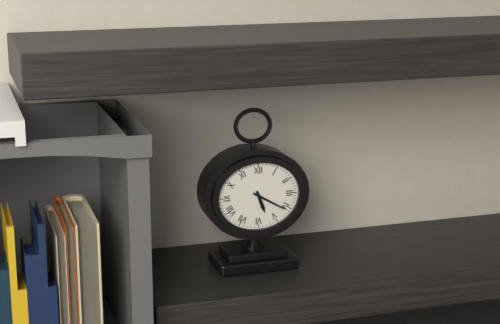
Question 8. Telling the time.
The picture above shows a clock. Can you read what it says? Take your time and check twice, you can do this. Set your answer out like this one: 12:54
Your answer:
5:20
